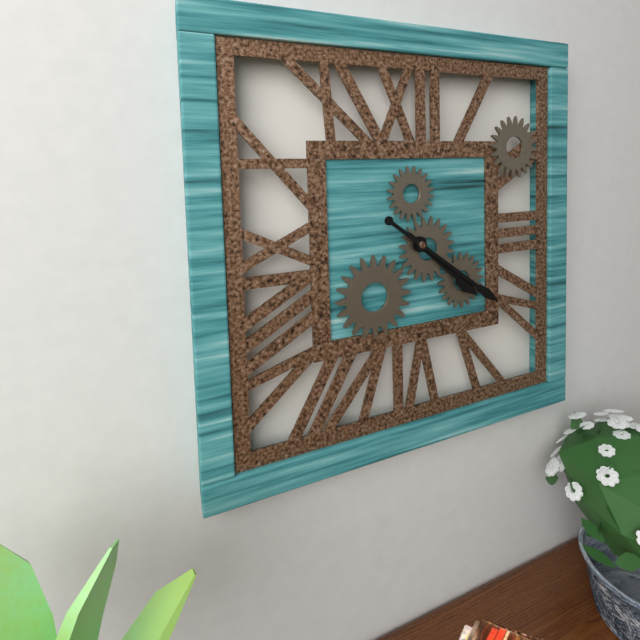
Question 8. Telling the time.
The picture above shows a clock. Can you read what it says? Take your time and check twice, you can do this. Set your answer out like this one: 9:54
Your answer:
4:21
